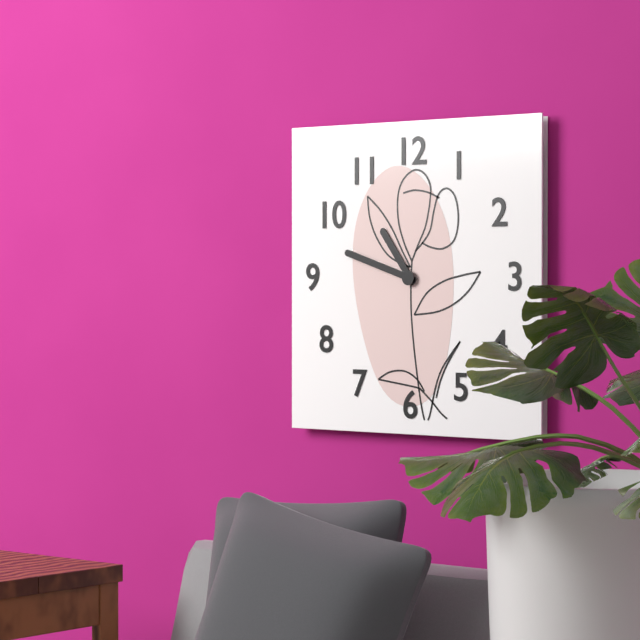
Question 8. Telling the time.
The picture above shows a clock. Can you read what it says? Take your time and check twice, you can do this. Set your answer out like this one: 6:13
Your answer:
10:48
